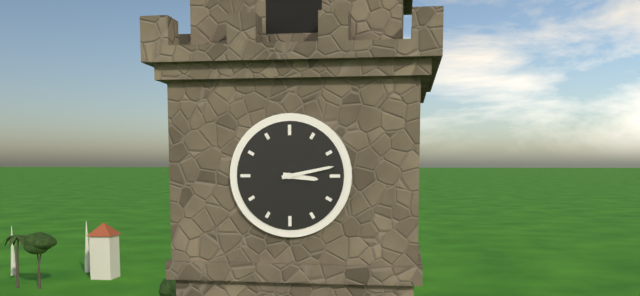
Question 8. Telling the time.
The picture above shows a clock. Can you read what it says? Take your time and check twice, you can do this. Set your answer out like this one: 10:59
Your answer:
3:13
